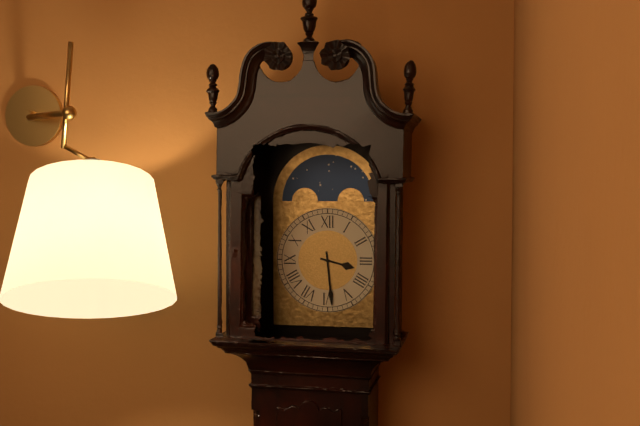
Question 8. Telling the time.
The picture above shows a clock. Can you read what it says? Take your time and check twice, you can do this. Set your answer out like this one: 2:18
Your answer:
3:29
